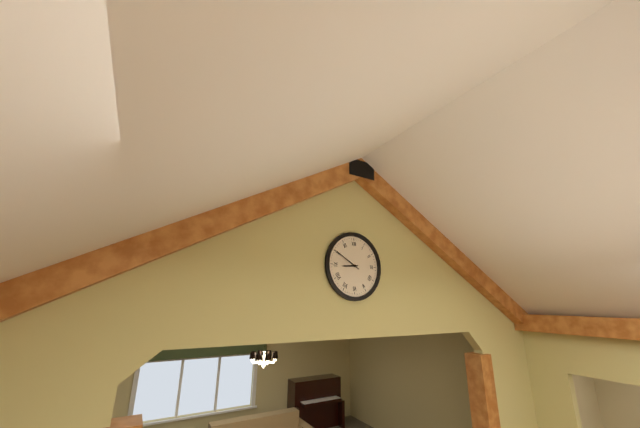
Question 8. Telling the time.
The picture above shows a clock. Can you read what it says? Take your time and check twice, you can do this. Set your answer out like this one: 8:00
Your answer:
8:50
